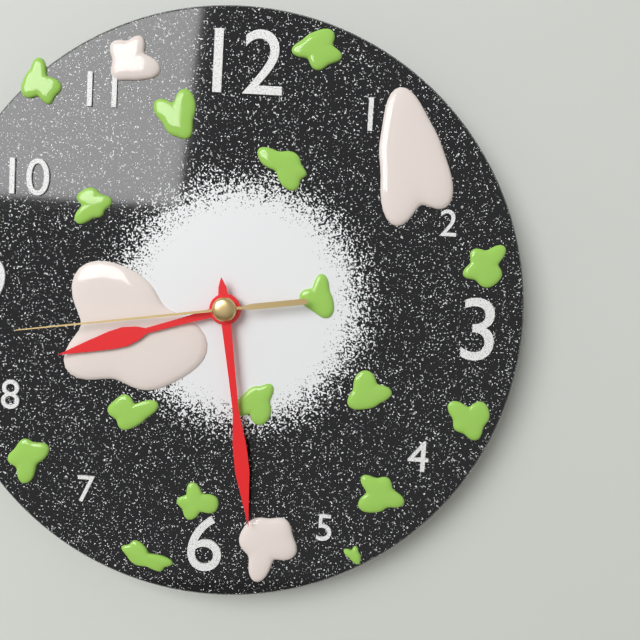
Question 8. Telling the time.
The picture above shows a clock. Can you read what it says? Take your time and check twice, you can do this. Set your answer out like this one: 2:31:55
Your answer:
8:29:44
